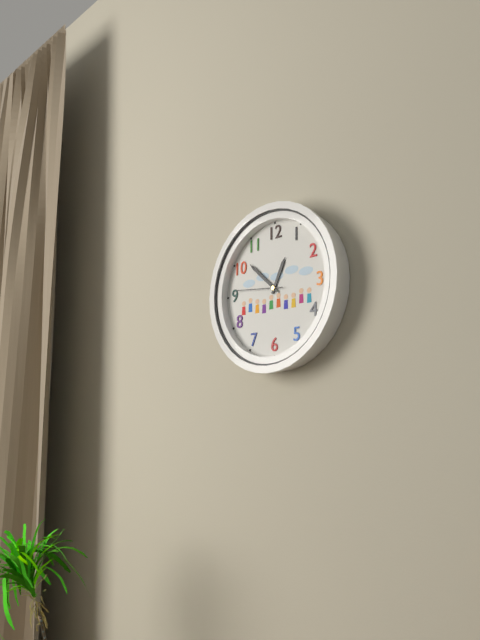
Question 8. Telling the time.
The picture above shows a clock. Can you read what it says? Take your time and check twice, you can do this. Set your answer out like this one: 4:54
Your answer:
12:52
